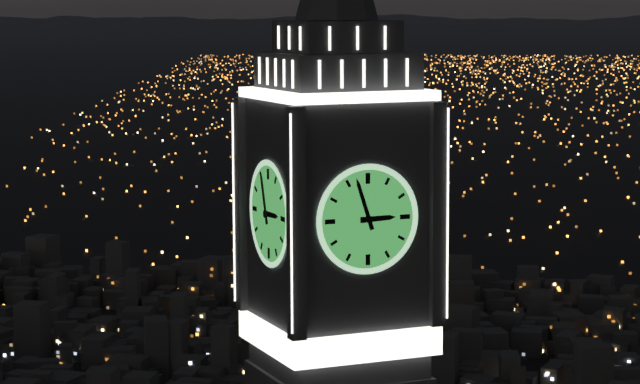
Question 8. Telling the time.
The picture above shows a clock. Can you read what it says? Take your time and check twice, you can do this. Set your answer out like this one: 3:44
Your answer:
2:57
